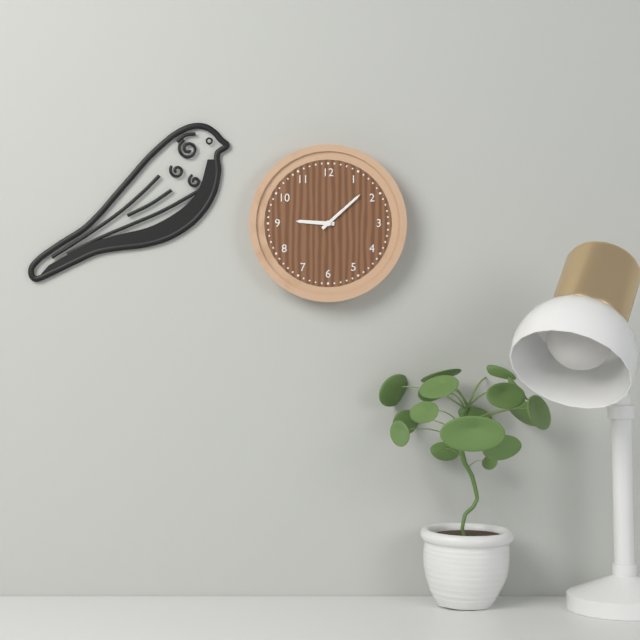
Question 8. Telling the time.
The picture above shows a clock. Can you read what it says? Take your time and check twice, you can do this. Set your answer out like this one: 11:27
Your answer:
9:08
